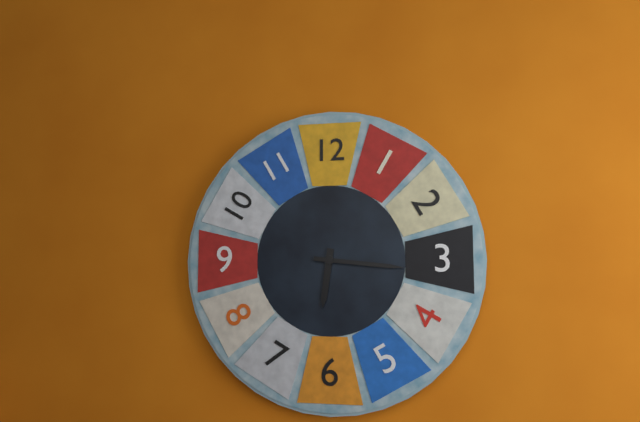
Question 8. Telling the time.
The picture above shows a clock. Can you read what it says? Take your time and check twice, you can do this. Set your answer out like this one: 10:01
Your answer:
6:16
